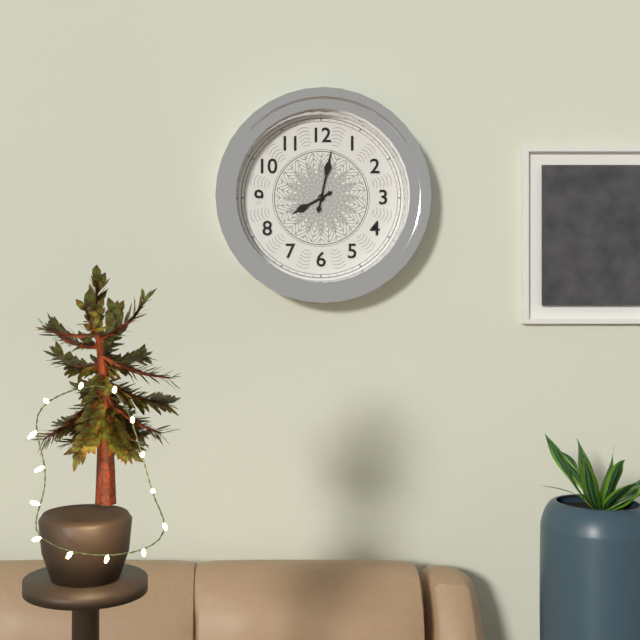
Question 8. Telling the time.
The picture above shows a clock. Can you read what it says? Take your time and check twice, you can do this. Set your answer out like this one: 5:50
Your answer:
8:02
